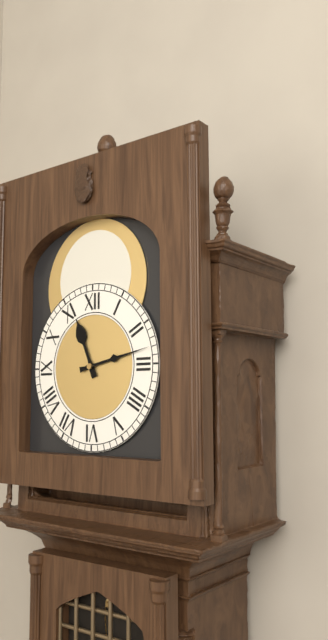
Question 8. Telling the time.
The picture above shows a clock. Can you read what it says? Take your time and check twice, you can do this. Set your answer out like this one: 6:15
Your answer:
11:13
